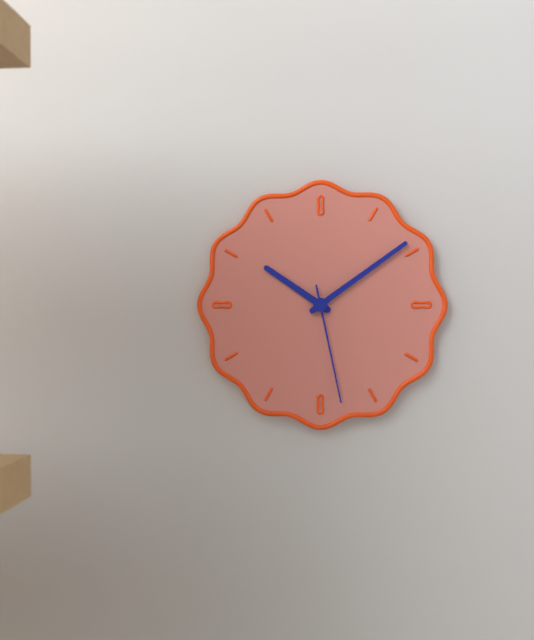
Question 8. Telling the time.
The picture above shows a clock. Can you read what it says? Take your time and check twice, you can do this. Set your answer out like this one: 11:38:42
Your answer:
10:09:28
